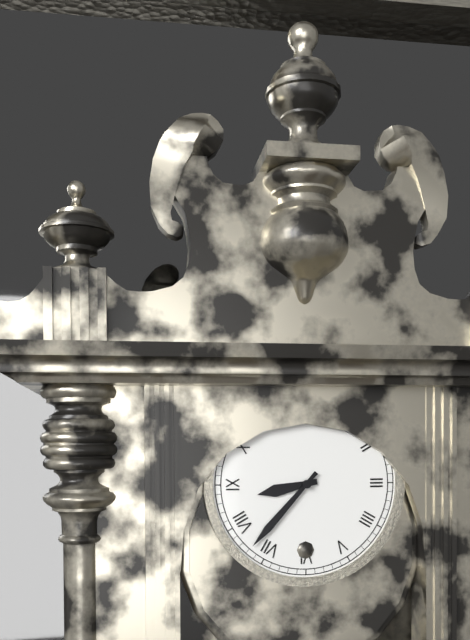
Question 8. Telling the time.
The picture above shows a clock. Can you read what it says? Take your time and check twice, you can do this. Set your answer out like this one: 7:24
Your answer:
8:37
